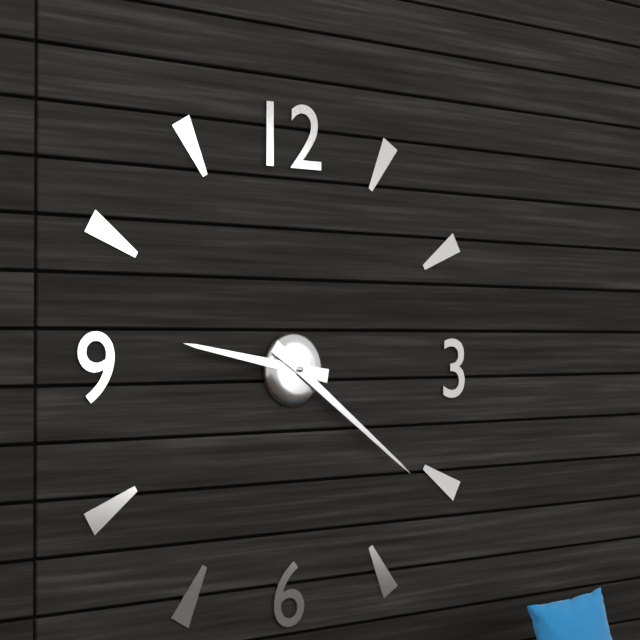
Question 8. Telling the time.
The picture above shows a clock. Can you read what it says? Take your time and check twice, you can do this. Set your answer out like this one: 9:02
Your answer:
9:21
